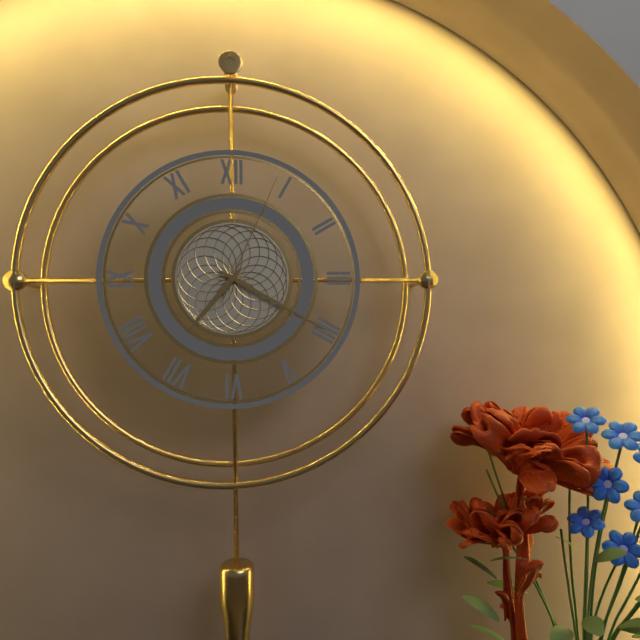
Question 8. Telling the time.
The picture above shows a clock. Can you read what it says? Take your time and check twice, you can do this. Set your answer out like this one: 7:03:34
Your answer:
7:20:04
